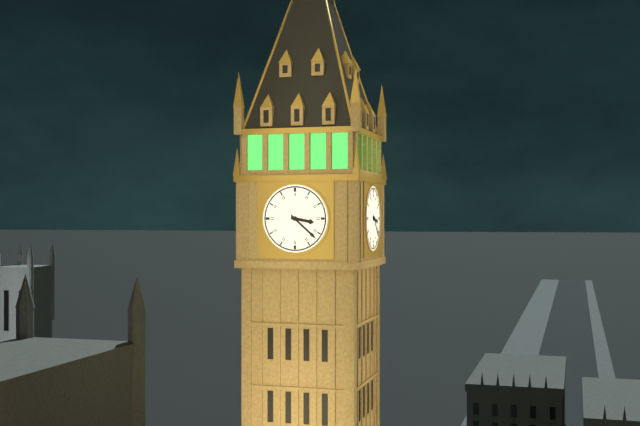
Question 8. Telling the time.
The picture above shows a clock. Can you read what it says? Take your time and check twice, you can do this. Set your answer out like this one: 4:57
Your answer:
3:22
